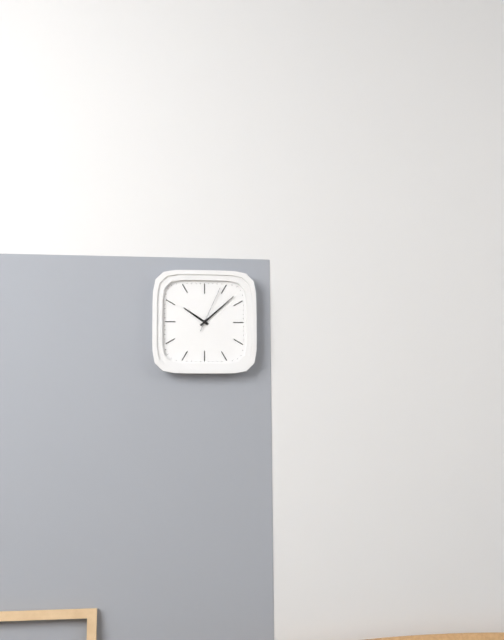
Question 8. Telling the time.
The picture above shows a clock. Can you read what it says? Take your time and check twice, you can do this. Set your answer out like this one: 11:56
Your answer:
10:08
